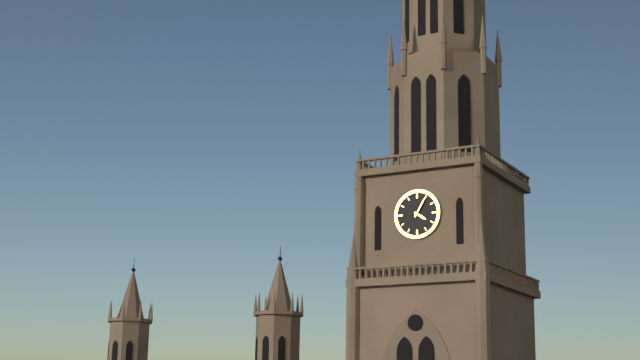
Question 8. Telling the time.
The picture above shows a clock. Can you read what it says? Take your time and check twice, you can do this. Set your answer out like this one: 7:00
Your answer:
4:05
